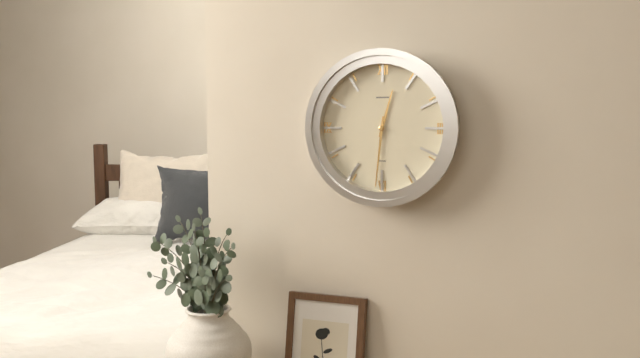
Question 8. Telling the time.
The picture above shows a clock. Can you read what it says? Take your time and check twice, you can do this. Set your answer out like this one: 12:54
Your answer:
12:31
